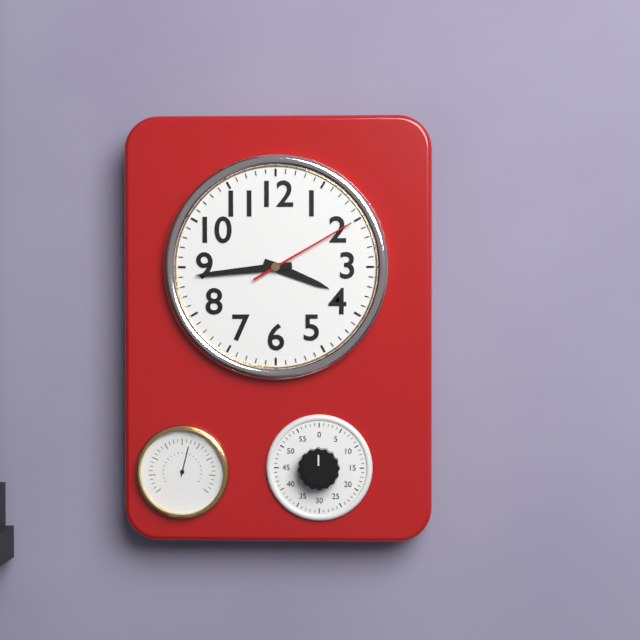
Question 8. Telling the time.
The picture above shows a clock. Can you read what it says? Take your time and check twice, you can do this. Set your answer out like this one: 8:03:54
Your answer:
3:44:10
